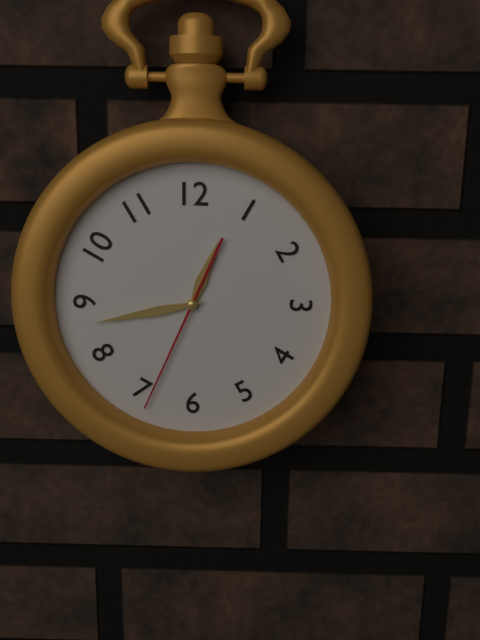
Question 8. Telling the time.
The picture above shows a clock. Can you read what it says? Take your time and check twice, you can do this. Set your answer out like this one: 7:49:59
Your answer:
12:43:34
